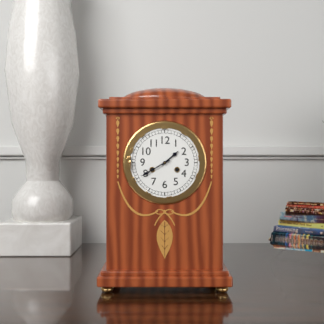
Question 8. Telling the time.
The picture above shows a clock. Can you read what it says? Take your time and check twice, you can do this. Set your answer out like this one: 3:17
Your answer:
1:40
